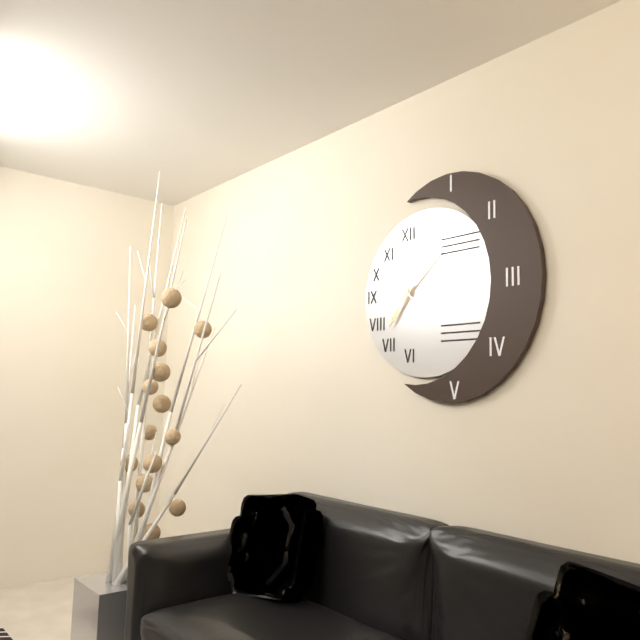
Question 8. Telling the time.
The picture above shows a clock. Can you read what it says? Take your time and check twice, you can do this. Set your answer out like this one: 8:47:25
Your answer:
7:08:52
